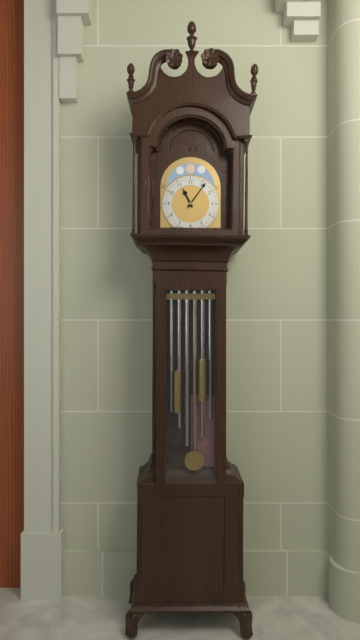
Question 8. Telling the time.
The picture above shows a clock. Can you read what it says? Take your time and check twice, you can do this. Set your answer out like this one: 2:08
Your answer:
11:06
